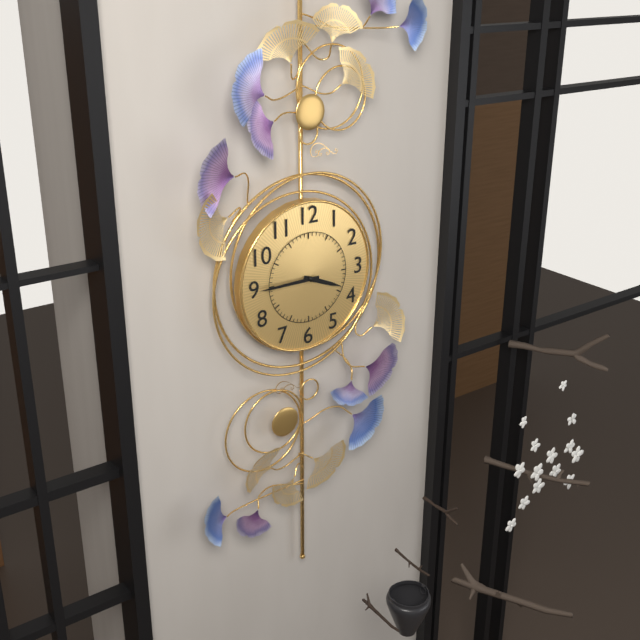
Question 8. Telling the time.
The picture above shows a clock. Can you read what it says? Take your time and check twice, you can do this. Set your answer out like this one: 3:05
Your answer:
3:45
